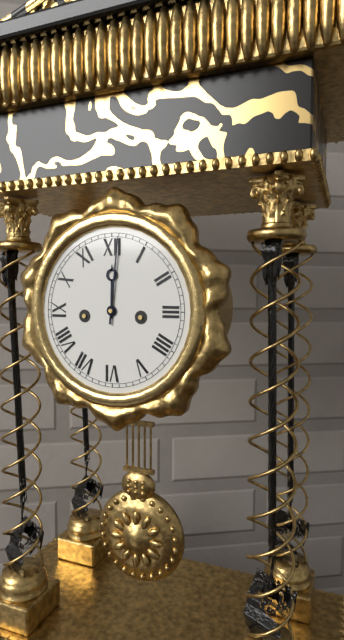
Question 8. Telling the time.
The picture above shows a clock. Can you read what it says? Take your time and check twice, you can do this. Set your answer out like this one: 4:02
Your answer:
12:01
